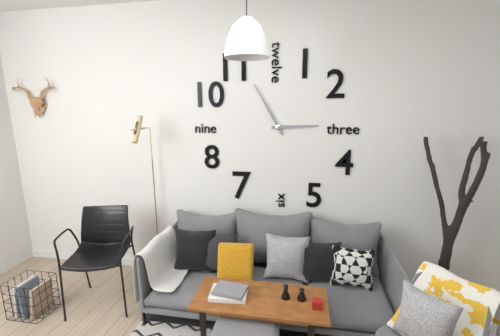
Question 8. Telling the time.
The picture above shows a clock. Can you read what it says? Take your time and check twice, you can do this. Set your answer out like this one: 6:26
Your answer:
2:55
